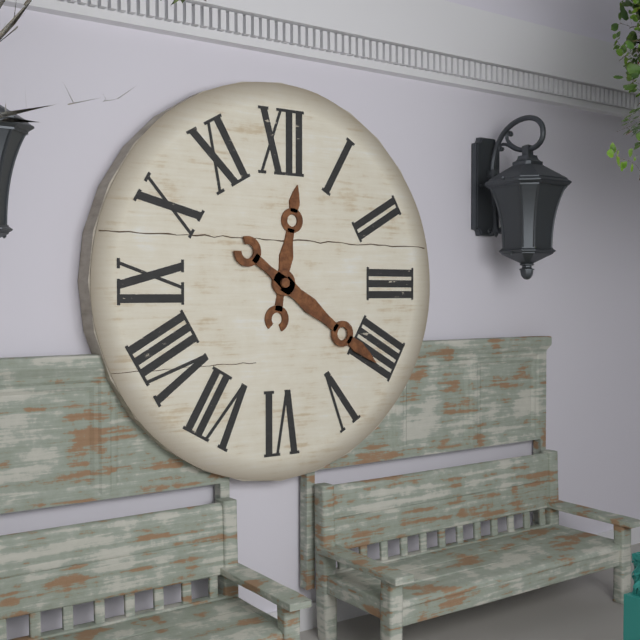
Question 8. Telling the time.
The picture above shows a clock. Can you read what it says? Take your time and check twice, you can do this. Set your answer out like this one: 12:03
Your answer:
12:21
